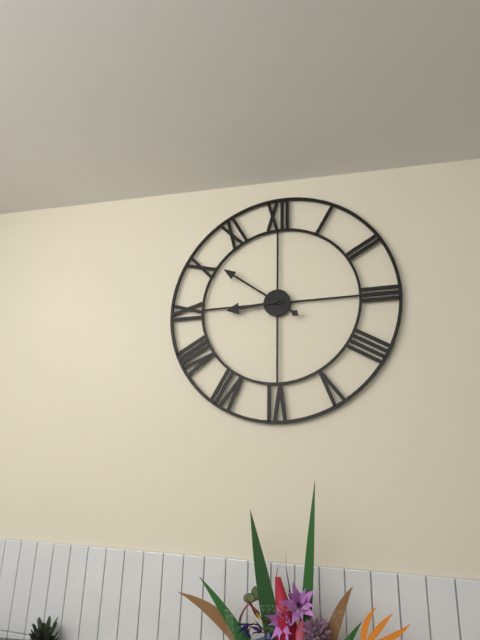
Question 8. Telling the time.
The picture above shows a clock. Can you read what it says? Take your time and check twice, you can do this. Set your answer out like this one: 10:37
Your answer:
8:51
